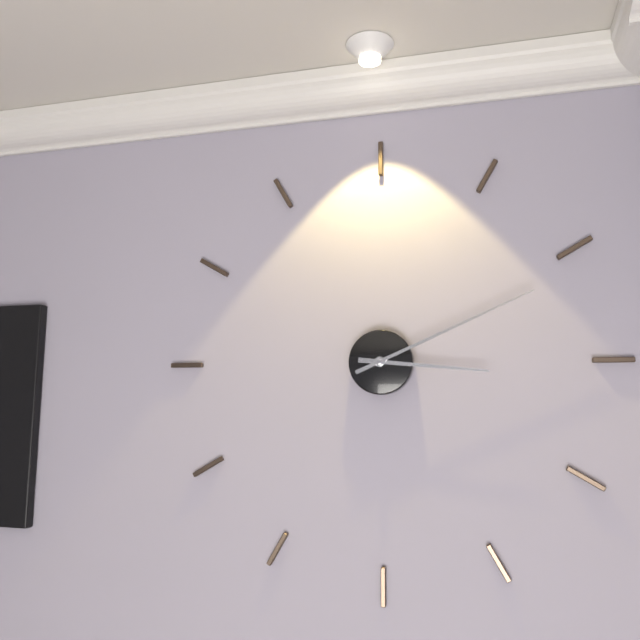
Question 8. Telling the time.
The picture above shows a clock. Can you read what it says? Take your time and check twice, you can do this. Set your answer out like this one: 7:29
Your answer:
3:11
